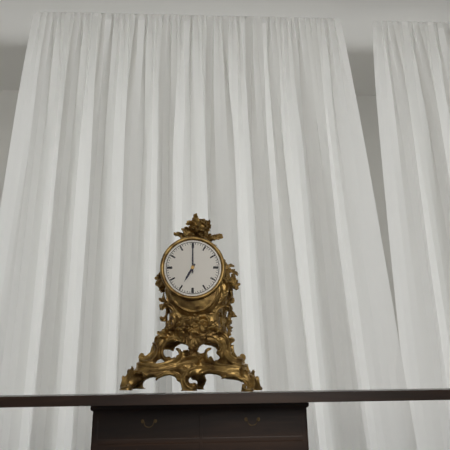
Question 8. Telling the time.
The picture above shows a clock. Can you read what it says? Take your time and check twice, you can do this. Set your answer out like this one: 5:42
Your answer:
7:00
